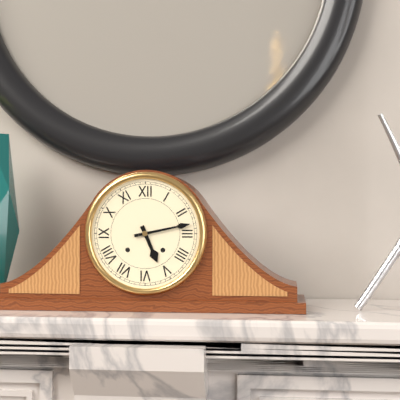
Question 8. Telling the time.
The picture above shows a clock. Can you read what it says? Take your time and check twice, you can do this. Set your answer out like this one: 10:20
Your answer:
5:13
